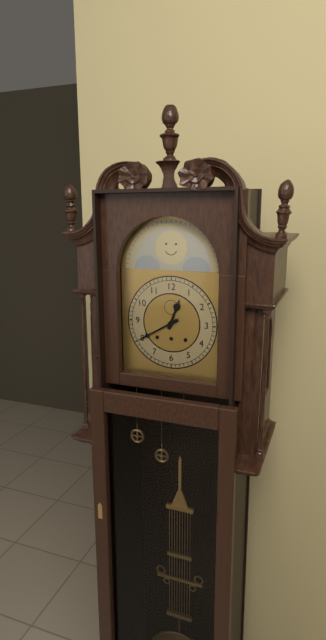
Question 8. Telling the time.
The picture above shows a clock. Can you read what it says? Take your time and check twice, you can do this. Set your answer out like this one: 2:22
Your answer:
12:40
